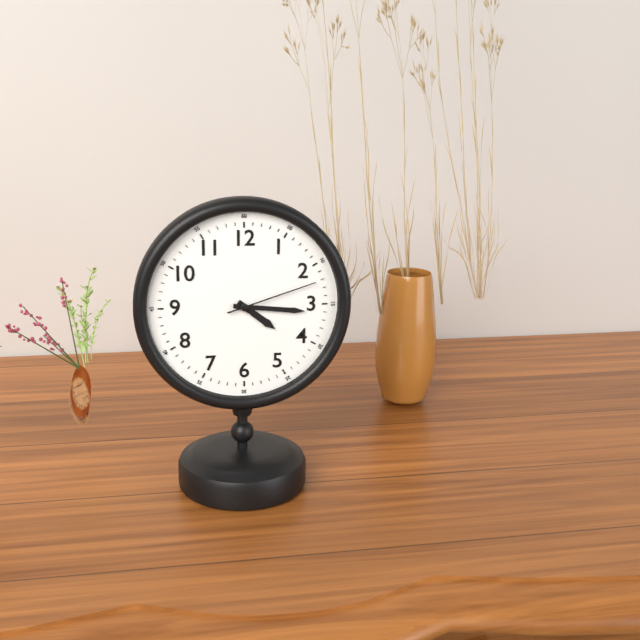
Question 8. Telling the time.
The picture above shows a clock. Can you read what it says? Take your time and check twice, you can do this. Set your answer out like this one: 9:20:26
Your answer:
4:16:12
